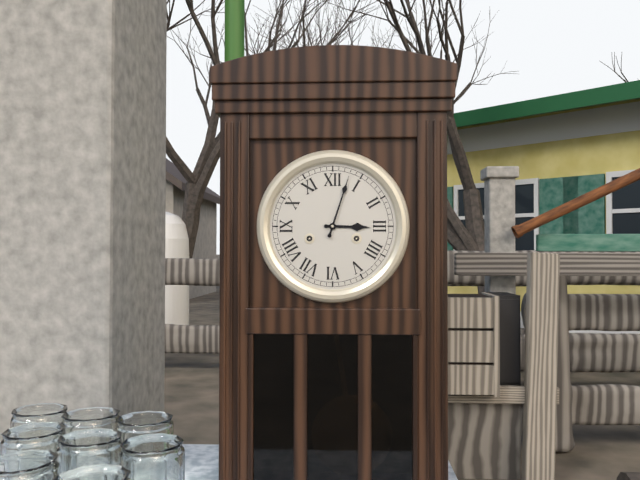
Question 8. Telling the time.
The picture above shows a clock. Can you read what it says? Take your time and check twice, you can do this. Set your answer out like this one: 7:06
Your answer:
3:03
